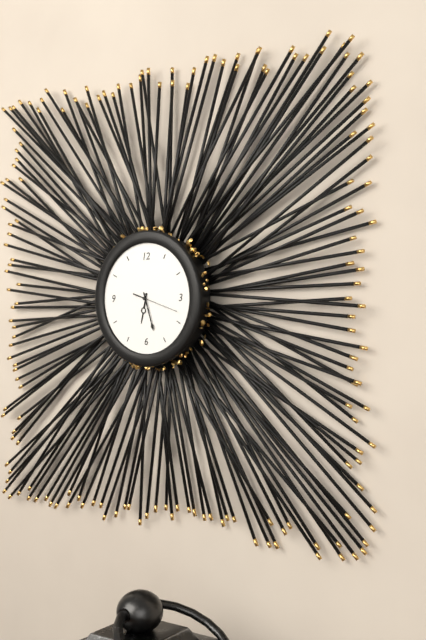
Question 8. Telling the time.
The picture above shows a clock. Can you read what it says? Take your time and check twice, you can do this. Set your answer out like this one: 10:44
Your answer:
6:27
